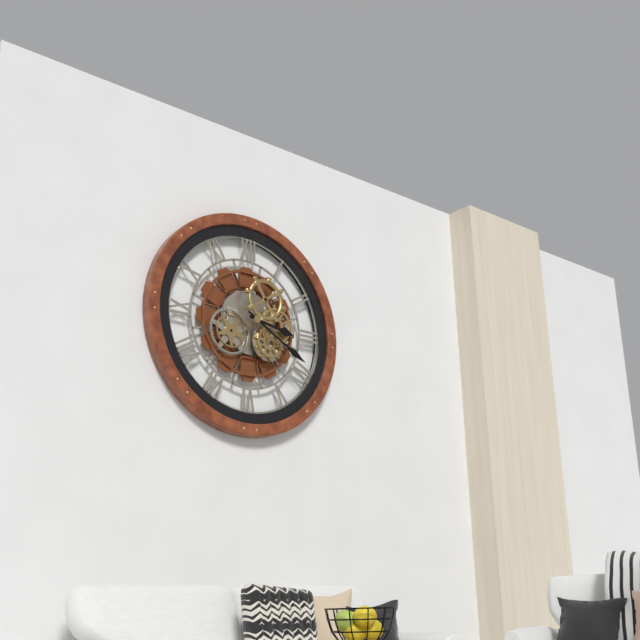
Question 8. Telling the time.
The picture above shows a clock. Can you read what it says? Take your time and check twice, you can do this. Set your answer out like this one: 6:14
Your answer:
3:20
